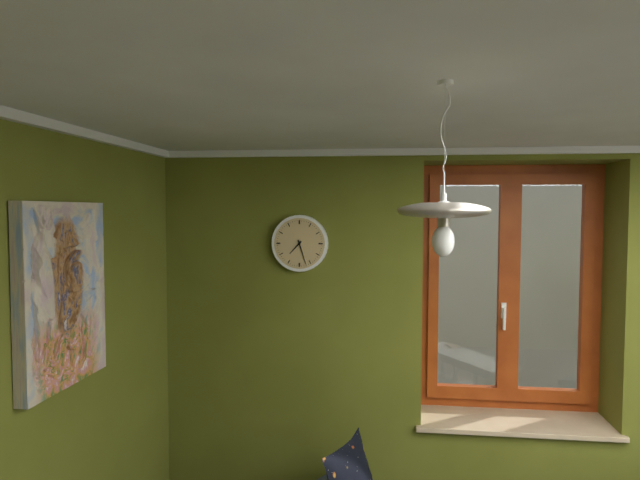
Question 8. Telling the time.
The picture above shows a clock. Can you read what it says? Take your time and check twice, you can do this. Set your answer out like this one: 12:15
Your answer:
7:27
